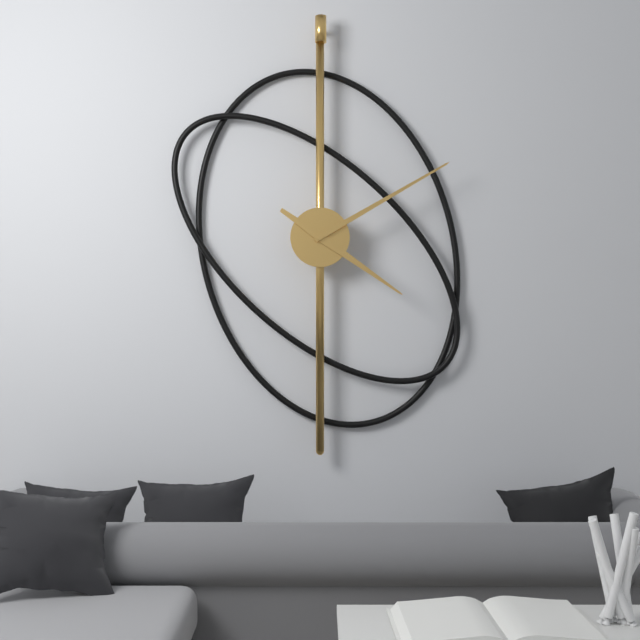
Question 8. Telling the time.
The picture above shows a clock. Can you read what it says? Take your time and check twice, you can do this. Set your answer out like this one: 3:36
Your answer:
4:10
